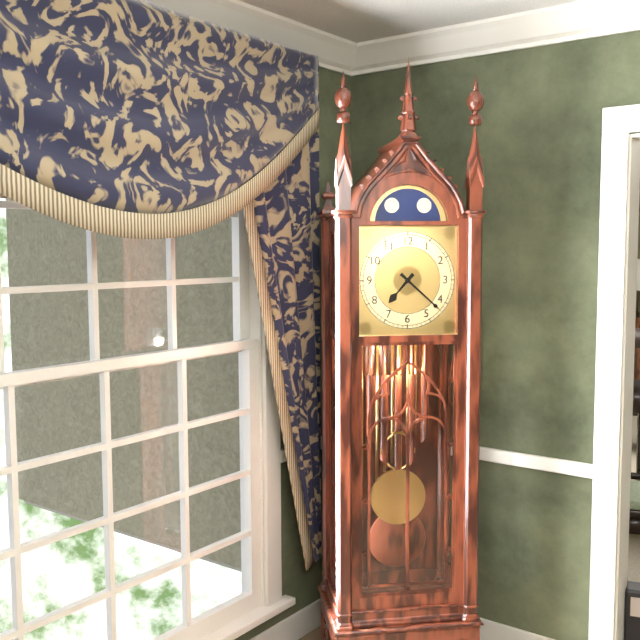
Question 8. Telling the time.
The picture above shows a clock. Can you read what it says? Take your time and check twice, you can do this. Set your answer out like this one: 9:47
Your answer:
7:22
